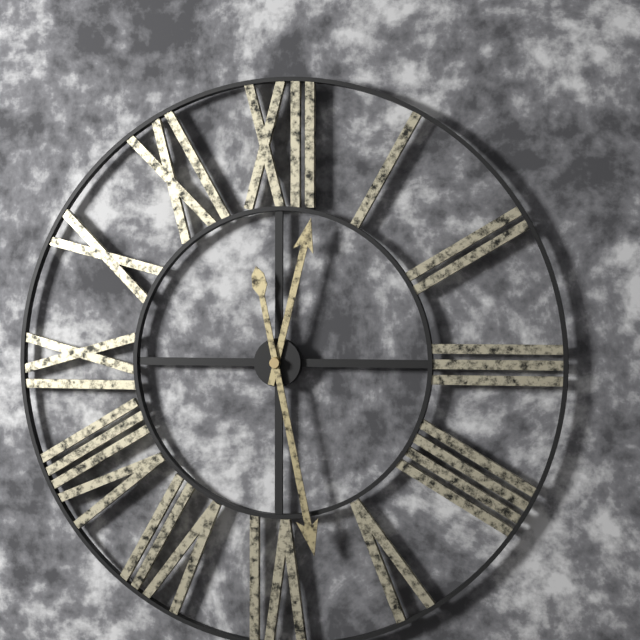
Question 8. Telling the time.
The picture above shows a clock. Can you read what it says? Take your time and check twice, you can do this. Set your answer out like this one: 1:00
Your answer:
12:28
